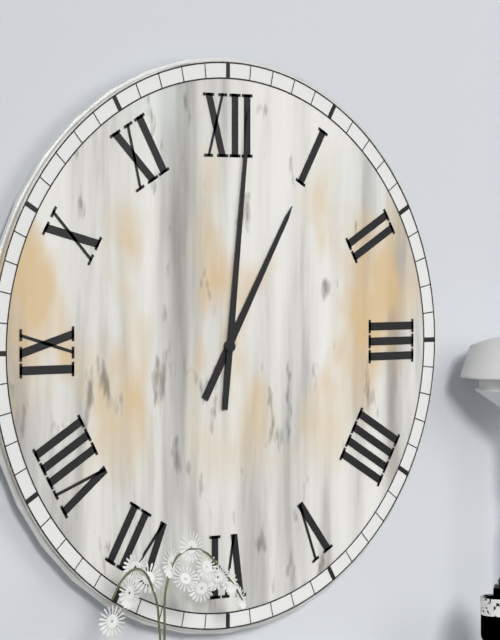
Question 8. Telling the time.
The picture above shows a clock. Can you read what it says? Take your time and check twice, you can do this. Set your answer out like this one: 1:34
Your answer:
1:01
